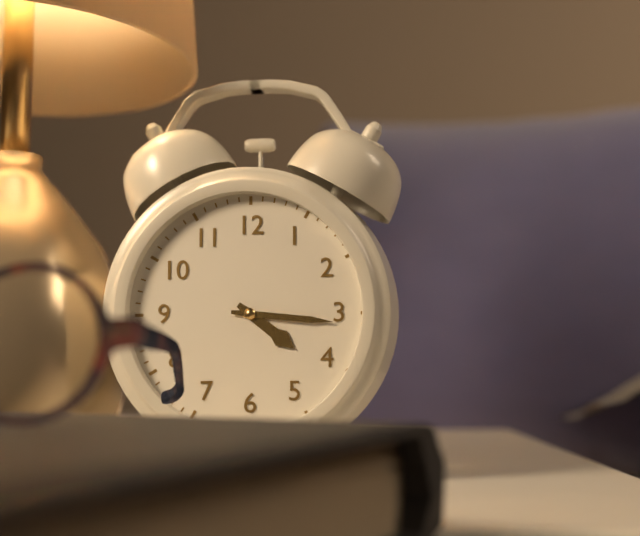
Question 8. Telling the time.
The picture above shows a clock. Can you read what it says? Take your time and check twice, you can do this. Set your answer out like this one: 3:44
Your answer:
4:16
